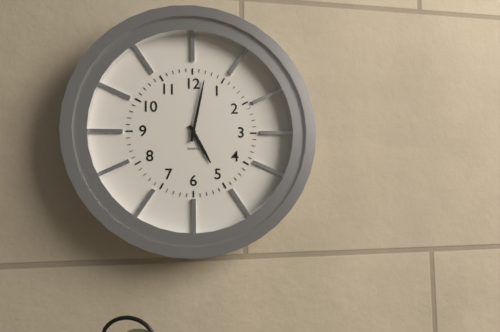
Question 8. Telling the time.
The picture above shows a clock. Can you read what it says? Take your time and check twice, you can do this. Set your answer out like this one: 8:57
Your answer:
5:02
